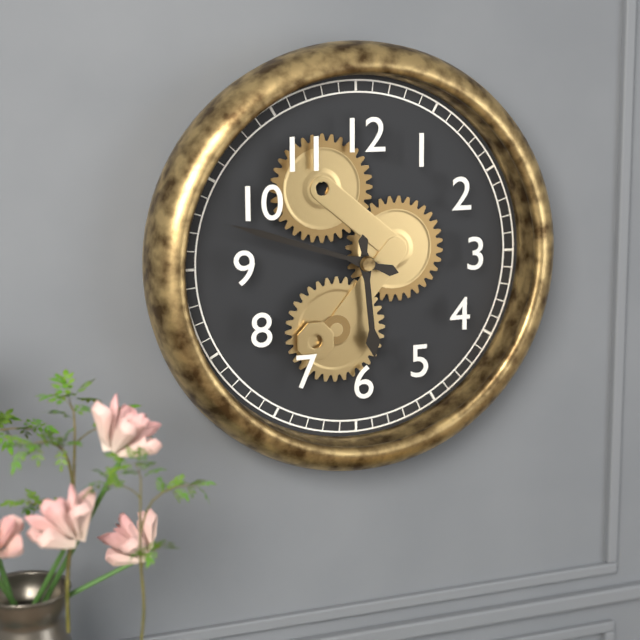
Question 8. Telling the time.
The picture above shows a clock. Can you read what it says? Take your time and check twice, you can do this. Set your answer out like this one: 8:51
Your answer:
5:48
